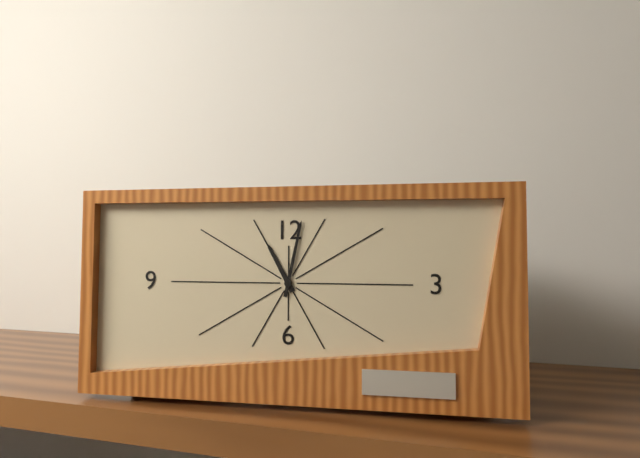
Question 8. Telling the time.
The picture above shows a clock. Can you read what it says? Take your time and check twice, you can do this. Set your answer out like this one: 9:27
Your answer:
11:02
